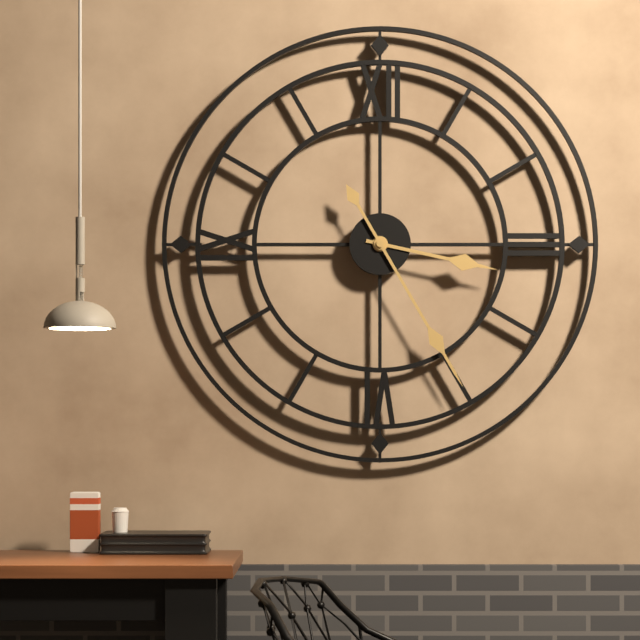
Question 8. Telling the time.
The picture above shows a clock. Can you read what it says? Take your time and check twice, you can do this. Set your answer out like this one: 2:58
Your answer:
3:25
